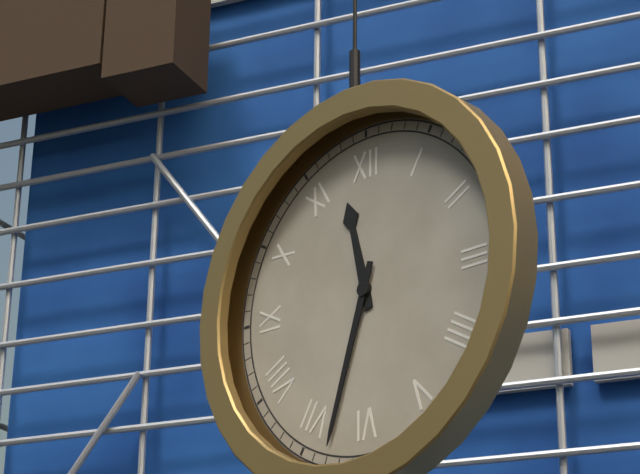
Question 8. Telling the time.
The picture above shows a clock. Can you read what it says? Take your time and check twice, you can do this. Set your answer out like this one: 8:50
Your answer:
11:33
